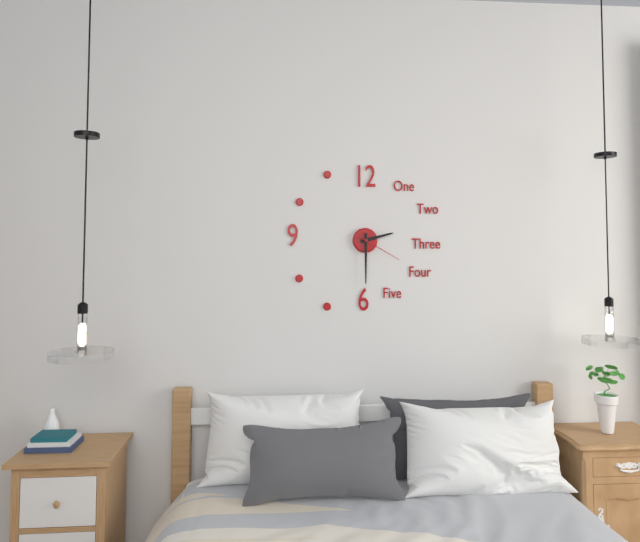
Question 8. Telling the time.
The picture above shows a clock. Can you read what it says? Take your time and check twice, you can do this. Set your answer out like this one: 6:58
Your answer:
2:30
